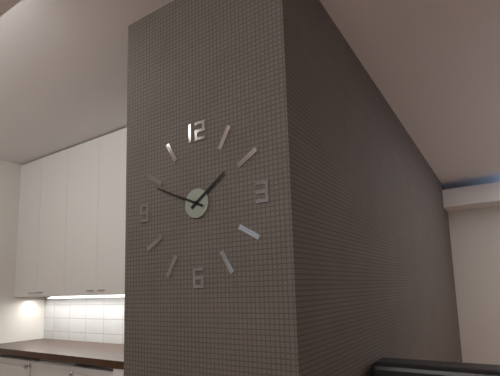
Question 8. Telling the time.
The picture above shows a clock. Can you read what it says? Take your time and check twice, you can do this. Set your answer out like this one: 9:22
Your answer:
1:49
